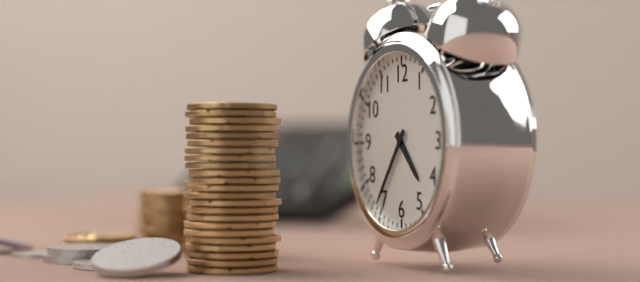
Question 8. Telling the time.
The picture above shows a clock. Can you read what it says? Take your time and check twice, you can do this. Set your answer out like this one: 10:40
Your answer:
4:36
